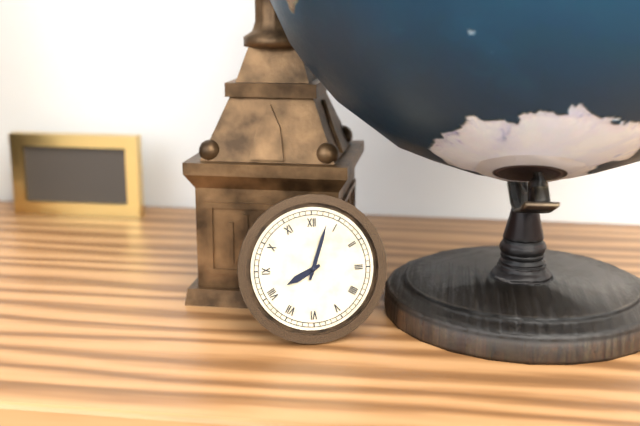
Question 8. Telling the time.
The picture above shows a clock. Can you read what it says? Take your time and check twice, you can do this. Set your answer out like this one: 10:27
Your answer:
8:03
